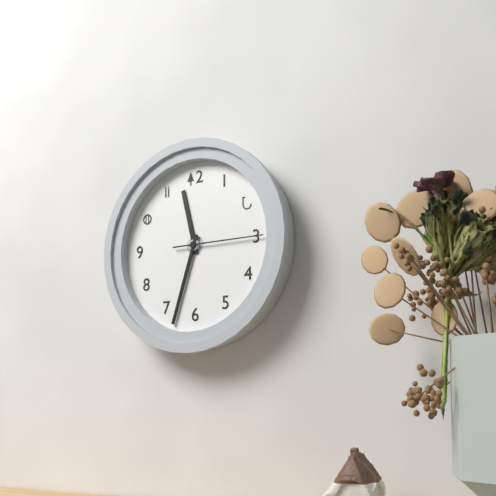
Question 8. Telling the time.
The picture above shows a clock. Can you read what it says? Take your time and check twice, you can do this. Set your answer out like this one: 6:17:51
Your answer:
11:33:15
